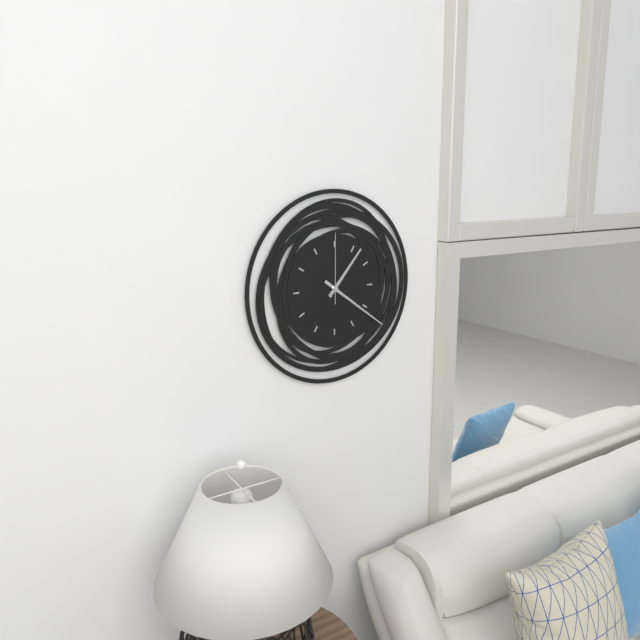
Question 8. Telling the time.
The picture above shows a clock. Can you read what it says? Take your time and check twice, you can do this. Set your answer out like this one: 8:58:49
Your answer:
1:21:00
